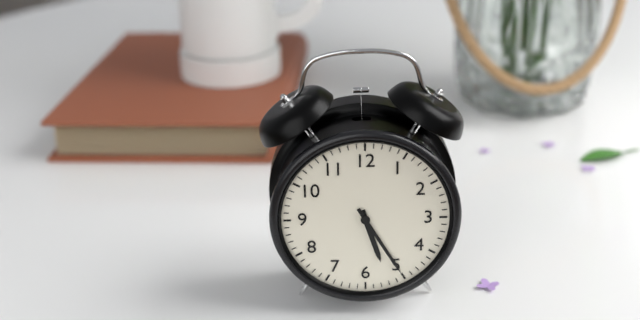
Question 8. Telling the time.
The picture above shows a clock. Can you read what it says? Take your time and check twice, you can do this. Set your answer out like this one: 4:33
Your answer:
5:25
